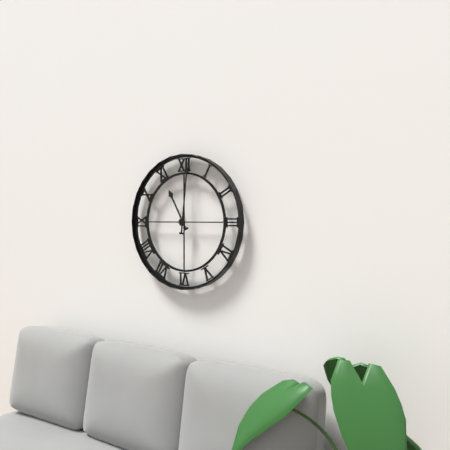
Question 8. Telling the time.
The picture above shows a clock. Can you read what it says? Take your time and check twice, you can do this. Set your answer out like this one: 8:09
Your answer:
11:01
